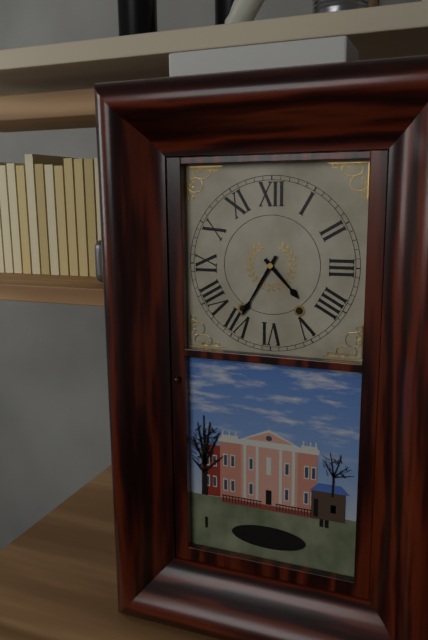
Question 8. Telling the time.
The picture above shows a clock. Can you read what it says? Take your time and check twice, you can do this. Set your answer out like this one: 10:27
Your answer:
4:35
